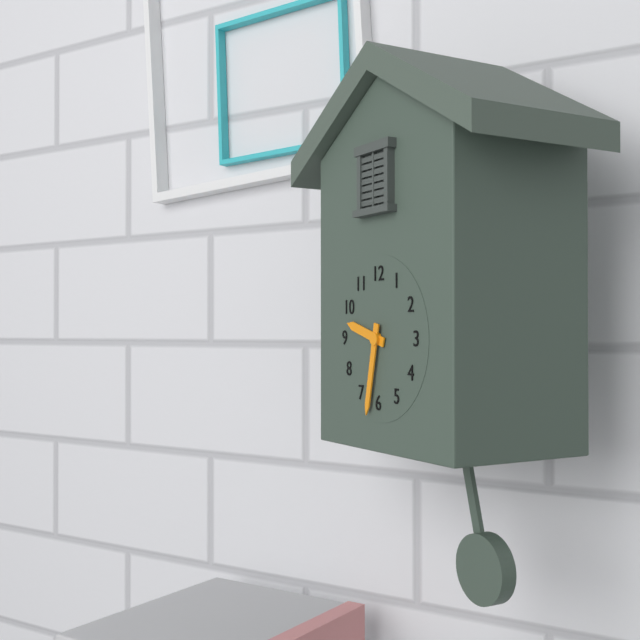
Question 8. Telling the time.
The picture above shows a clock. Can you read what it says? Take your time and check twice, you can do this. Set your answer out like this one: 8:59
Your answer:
9:32
